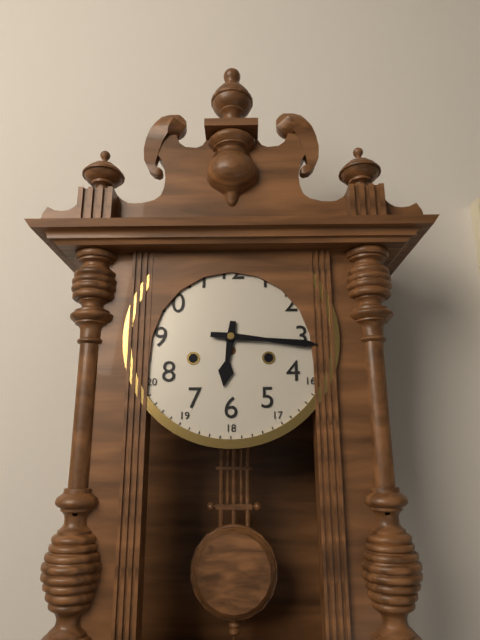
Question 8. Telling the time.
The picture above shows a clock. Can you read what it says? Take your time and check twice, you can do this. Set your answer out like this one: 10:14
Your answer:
6:16
